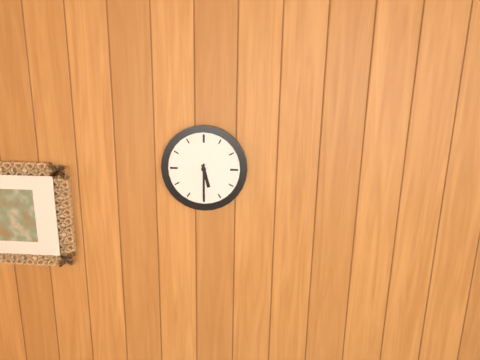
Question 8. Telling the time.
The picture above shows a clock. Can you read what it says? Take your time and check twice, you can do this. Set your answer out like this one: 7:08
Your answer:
5:30
